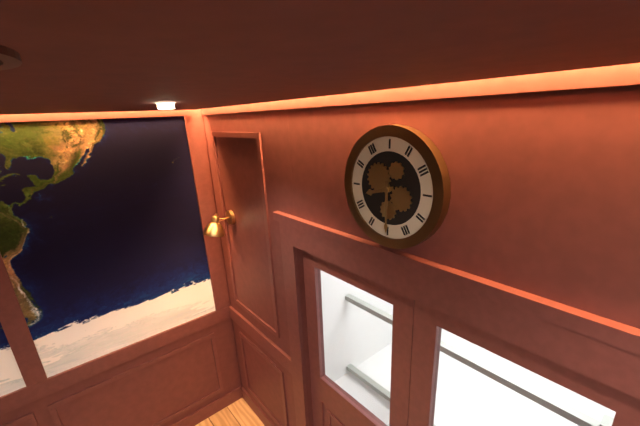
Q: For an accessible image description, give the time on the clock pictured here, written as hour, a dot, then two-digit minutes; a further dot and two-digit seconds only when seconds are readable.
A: 8.30
